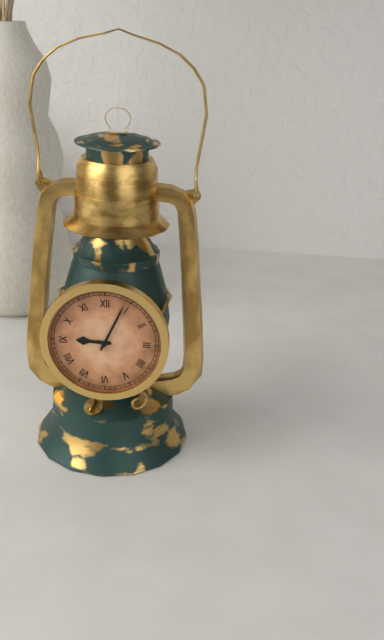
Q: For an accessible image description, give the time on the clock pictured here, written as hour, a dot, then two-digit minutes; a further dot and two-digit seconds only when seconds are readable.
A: 9.04
